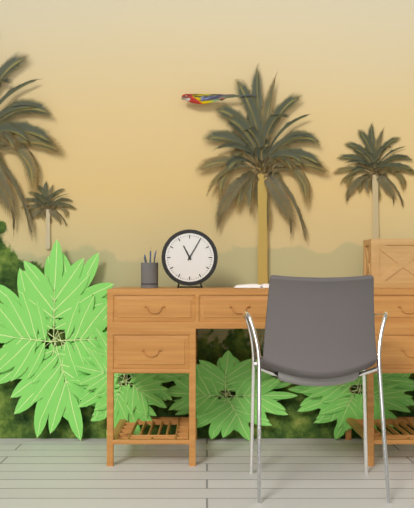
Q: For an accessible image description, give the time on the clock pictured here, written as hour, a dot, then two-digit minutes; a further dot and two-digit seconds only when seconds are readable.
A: 11.05
